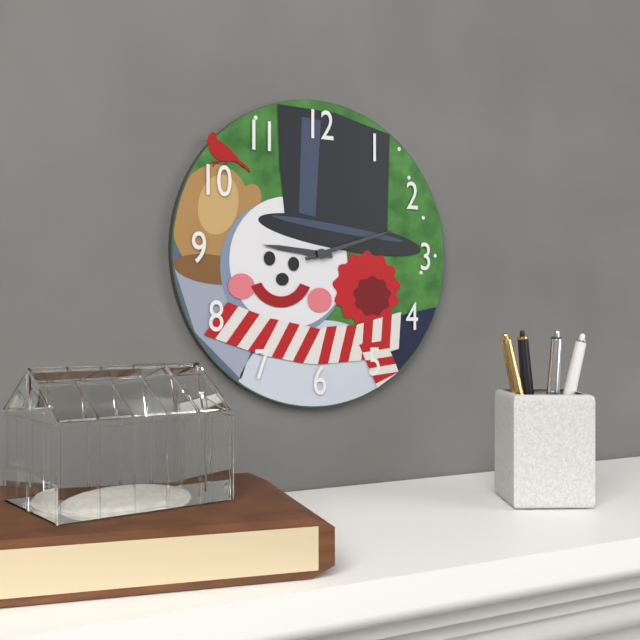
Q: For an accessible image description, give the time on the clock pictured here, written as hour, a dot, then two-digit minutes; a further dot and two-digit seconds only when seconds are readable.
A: 9.12
